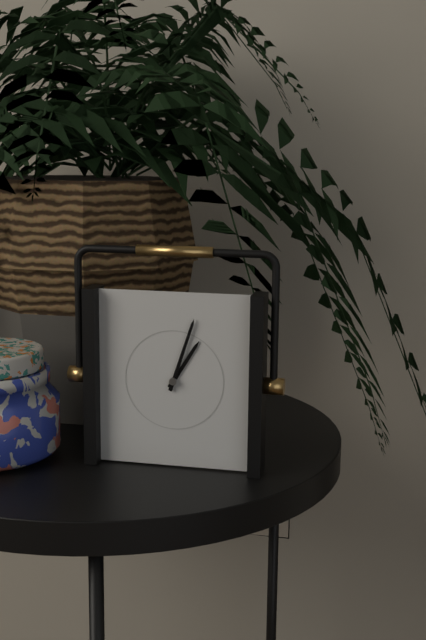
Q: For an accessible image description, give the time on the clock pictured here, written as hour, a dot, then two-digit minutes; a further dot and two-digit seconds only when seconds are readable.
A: 1.03
